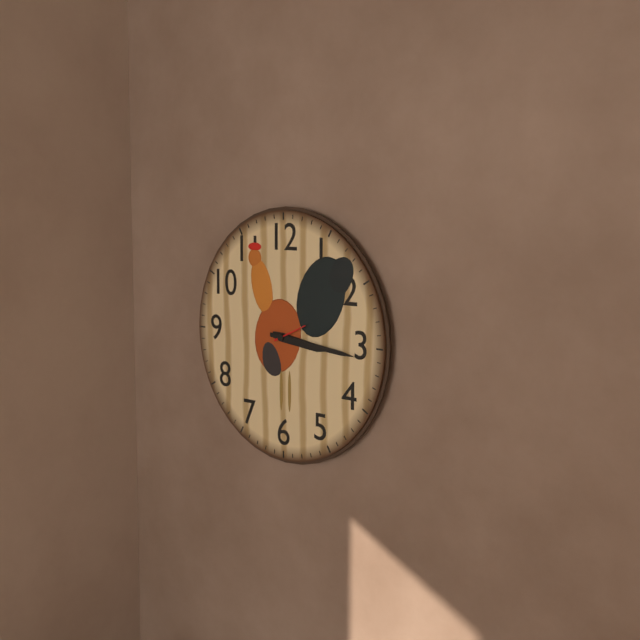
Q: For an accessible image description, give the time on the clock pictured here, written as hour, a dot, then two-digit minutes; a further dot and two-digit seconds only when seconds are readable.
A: 3.16
